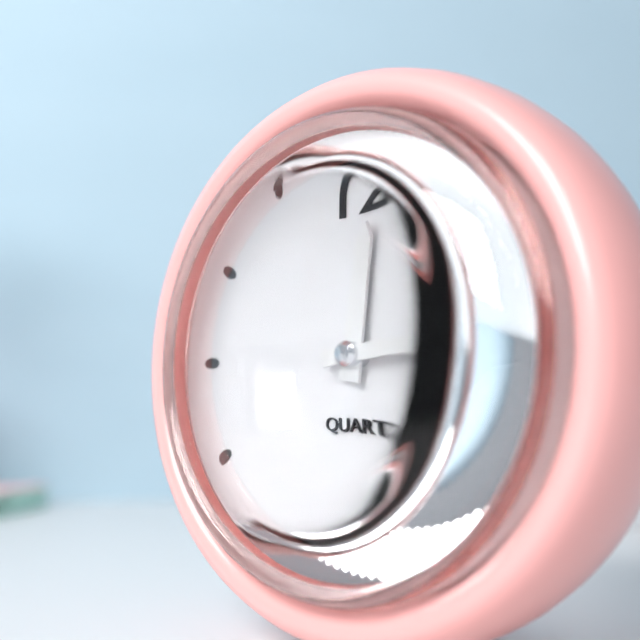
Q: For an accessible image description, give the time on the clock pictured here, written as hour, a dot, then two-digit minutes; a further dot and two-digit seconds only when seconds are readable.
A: 12.14
